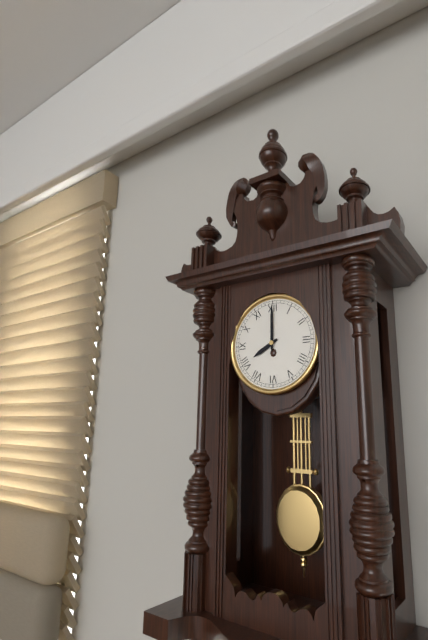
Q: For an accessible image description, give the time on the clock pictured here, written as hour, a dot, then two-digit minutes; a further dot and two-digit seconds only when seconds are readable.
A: 8.00
